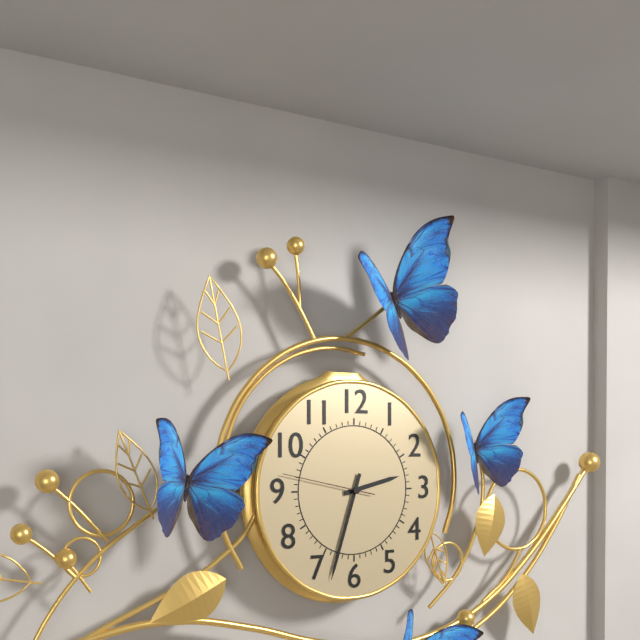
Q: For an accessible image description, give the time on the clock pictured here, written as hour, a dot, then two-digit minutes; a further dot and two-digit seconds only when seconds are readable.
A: 2.33.47
